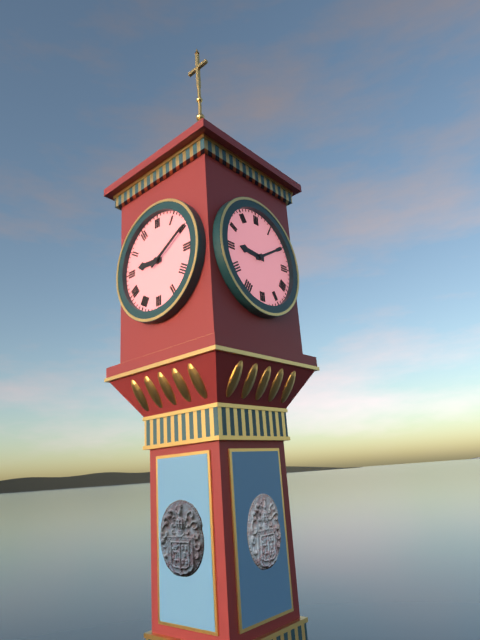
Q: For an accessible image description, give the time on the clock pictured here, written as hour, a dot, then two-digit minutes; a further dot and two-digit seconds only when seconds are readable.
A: 9.10
